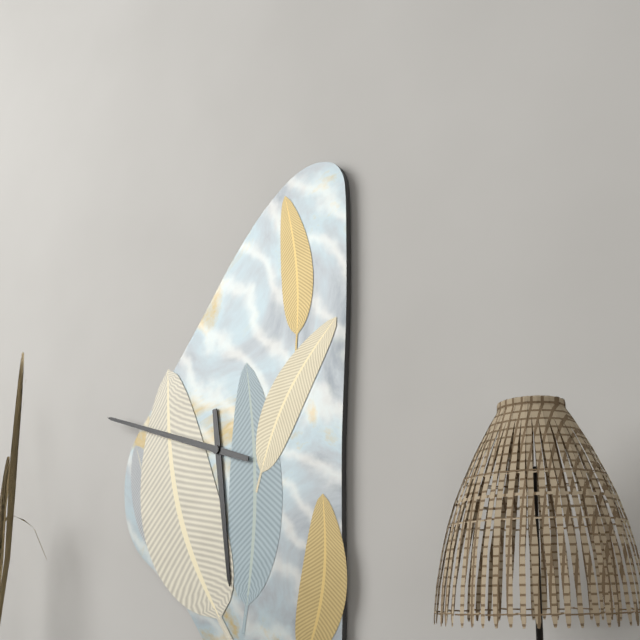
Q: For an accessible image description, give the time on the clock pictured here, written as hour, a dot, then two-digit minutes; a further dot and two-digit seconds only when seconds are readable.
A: 5.48
